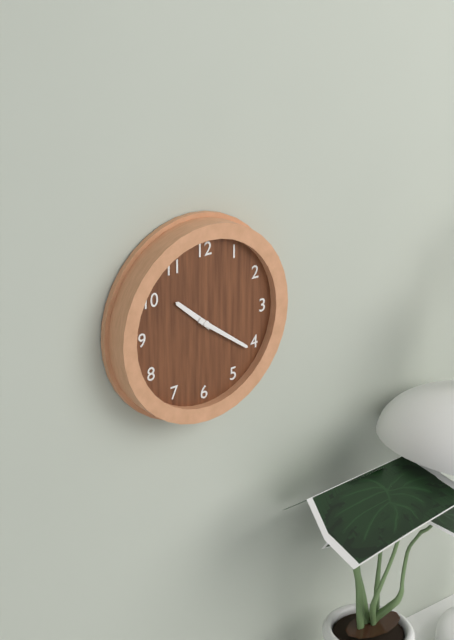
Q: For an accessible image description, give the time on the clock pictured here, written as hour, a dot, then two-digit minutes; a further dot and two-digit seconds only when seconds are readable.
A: 10.21
